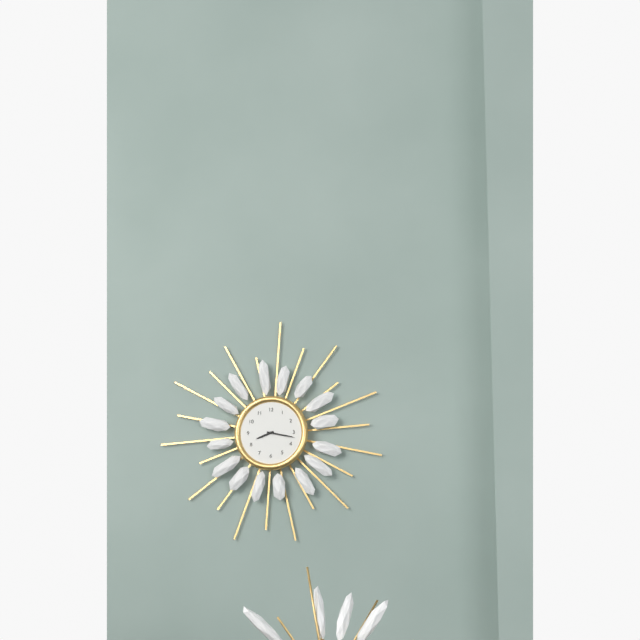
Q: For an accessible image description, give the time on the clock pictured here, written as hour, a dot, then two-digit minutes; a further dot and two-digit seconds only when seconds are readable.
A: 8.17
